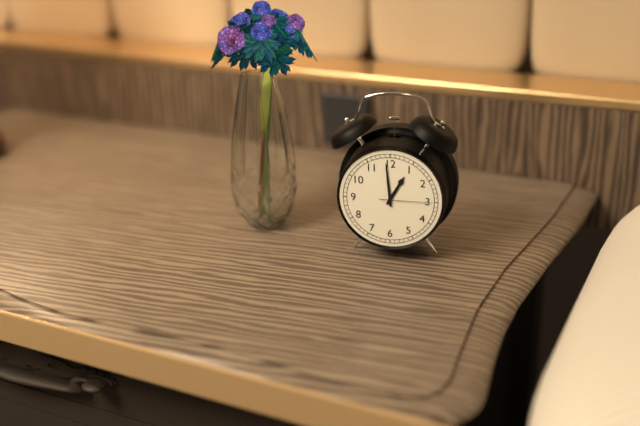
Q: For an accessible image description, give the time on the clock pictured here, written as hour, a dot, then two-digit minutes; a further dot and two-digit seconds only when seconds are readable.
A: 12.59.15
